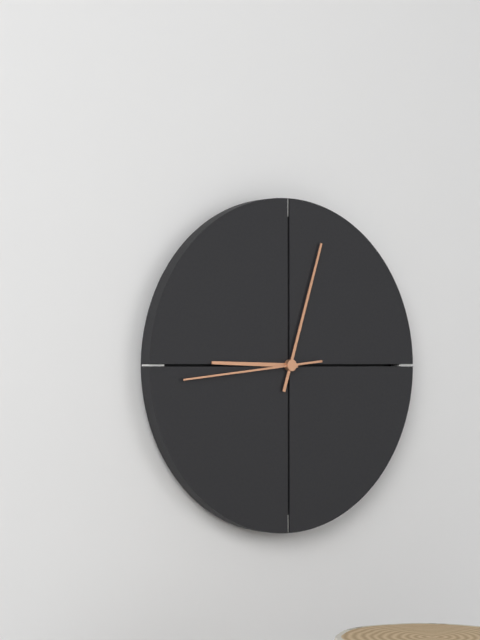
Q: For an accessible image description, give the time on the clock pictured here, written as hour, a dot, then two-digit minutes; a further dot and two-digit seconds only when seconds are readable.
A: 9.03.44
